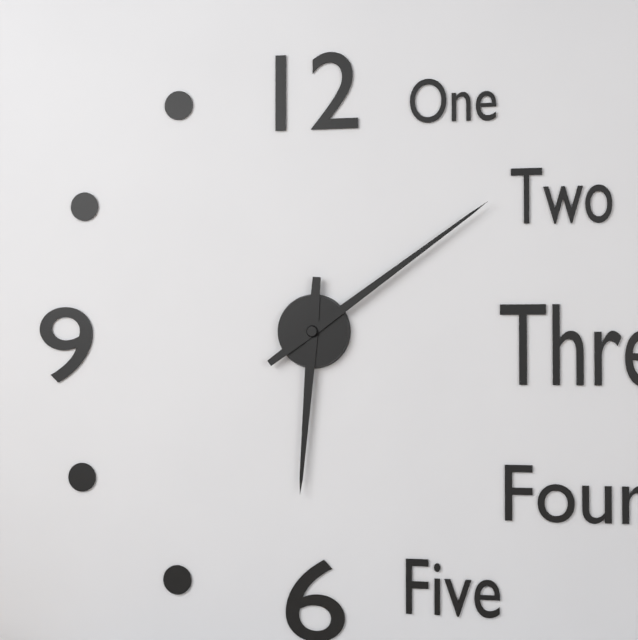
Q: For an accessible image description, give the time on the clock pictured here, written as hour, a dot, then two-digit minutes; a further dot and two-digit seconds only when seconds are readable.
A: 6.09
